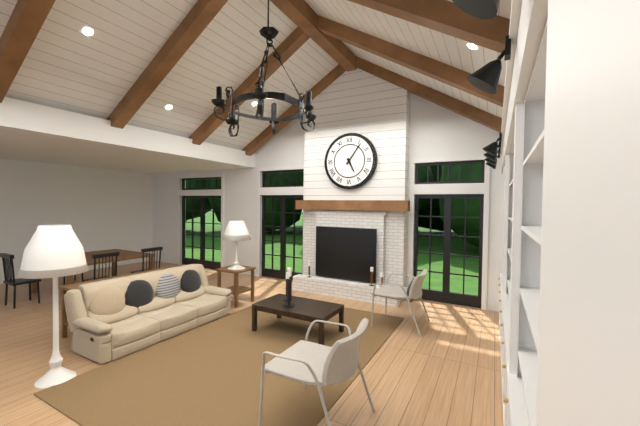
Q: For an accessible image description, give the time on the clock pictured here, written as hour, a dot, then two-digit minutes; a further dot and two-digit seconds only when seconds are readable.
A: 5.06
